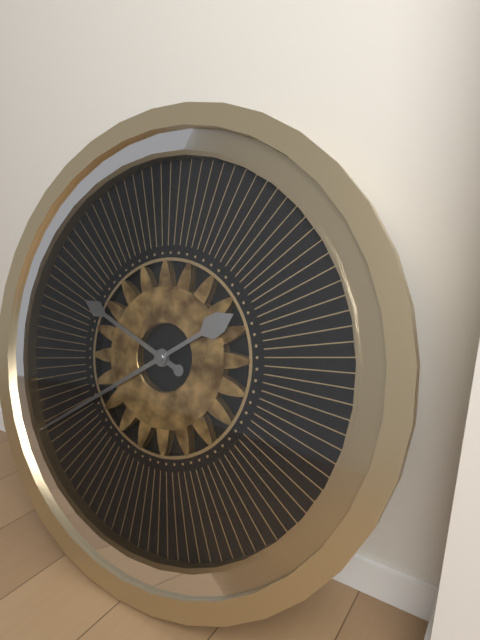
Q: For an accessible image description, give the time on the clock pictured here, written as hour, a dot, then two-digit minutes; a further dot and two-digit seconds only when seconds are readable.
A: 9.39
